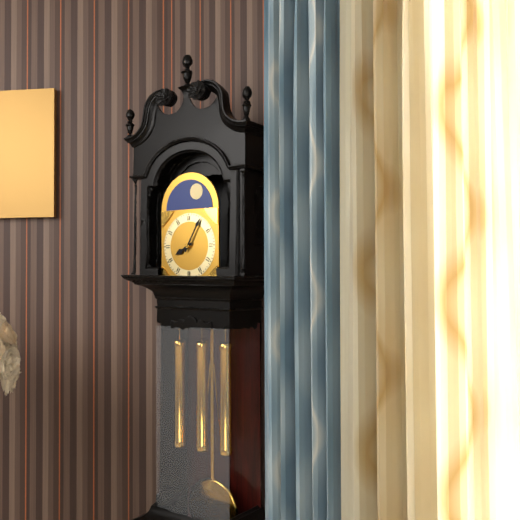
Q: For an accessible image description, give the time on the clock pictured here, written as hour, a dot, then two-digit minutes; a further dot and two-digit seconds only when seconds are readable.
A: 8.05
